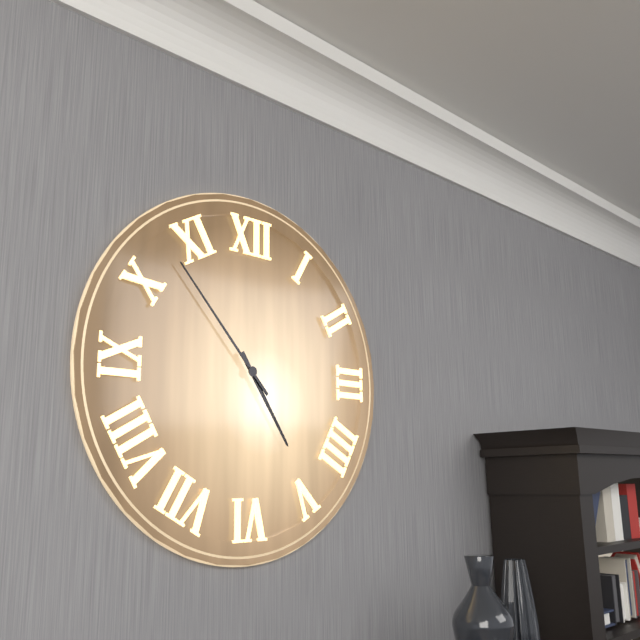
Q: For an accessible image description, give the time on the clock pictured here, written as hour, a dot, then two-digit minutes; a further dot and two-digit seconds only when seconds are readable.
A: 4.53
